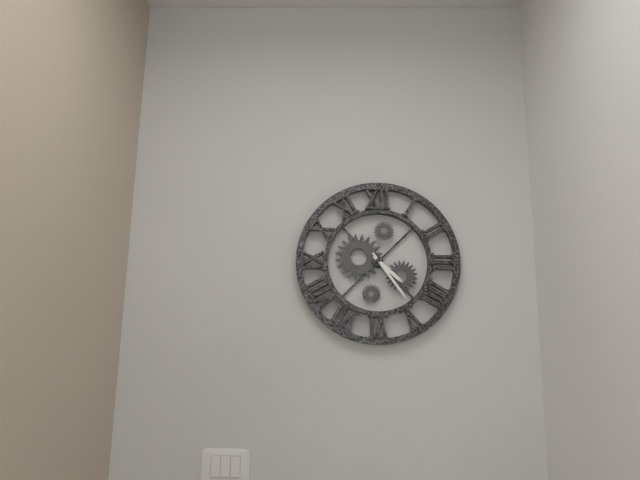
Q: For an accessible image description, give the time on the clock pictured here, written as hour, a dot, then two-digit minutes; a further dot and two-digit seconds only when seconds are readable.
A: 4.24
